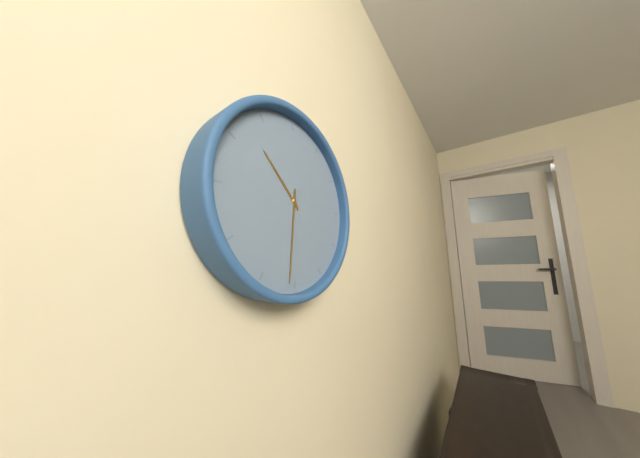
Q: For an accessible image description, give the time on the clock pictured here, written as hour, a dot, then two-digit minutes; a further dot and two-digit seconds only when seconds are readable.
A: 10.31
